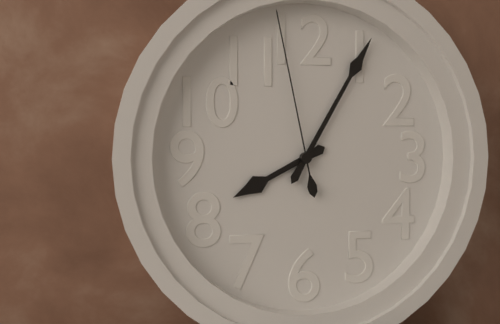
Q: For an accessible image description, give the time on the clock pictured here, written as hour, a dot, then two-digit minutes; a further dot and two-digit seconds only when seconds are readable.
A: 8.05.58
